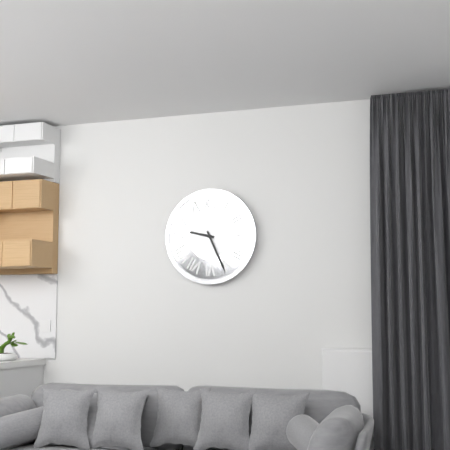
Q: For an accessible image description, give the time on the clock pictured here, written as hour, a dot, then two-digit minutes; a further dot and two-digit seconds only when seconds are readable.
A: 9.26
